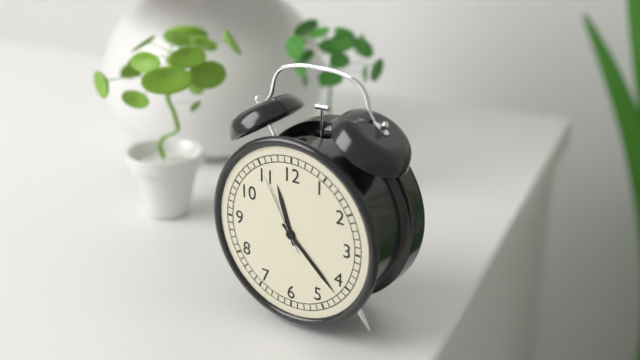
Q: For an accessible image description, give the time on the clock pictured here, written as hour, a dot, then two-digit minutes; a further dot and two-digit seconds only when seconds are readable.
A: 11.22.55
